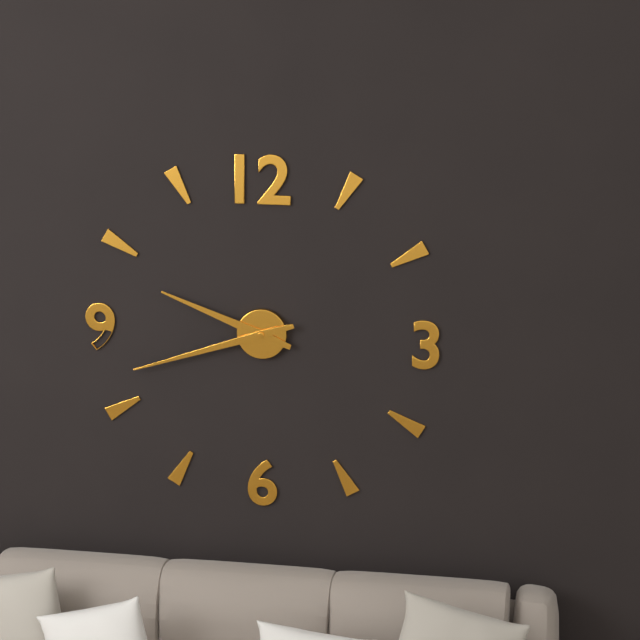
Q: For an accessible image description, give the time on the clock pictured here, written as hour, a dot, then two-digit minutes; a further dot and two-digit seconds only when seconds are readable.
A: 9.42
